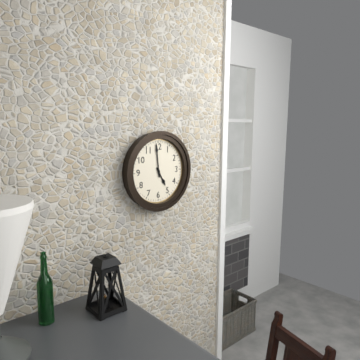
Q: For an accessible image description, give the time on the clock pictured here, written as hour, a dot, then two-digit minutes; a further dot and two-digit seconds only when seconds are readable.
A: 4.59
